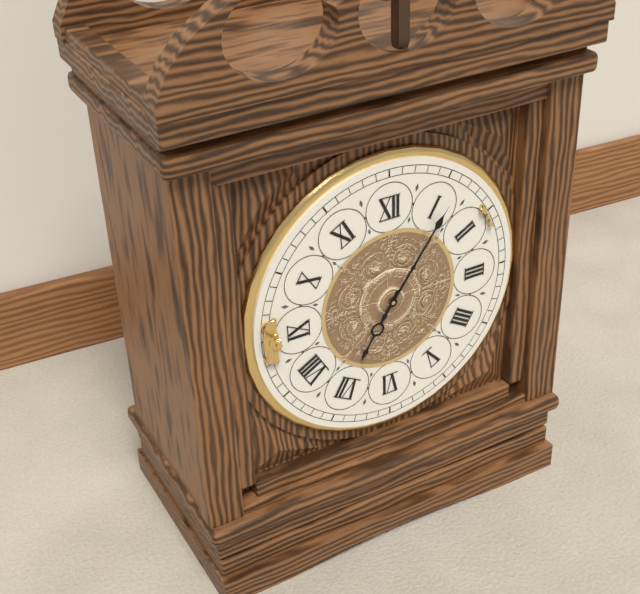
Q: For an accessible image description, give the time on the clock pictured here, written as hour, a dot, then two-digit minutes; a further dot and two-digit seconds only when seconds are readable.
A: 7.06
